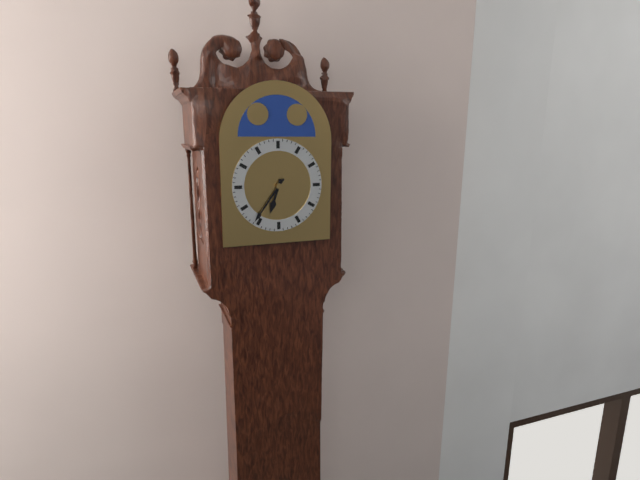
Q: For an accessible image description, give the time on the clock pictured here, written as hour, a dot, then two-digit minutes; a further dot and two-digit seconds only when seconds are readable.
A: 6.36
